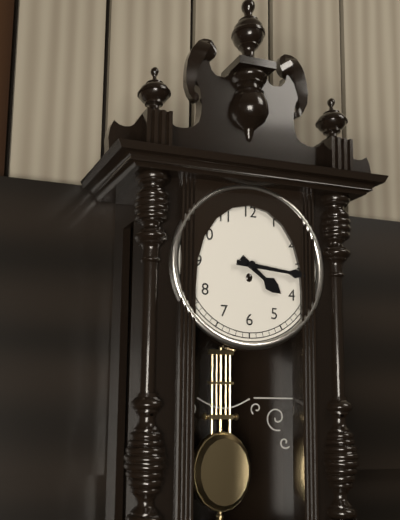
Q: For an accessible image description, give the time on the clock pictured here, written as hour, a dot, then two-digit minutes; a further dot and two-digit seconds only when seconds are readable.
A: 4.16
